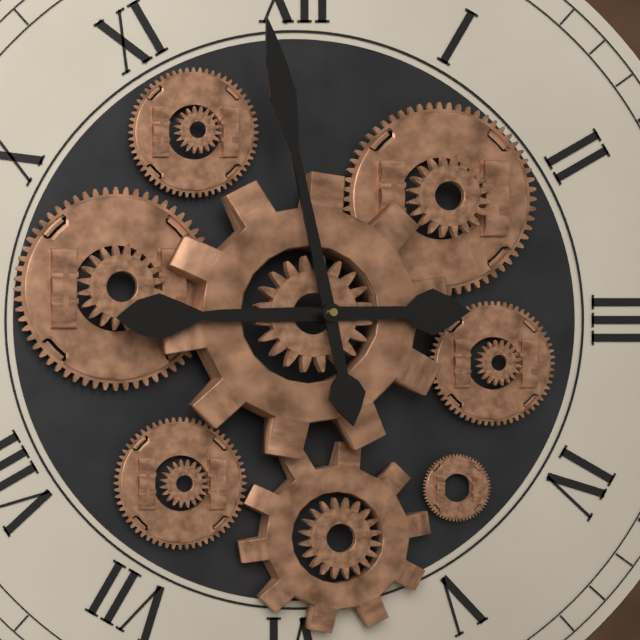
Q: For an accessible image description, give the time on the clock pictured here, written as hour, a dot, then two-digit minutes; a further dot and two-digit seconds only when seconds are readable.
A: 8.58
